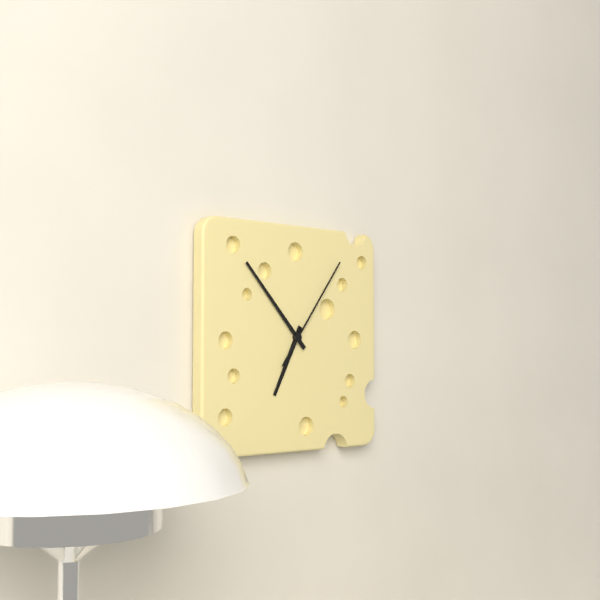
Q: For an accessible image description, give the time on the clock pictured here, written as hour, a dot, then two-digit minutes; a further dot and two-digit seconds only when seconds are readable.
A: 6.53.06
